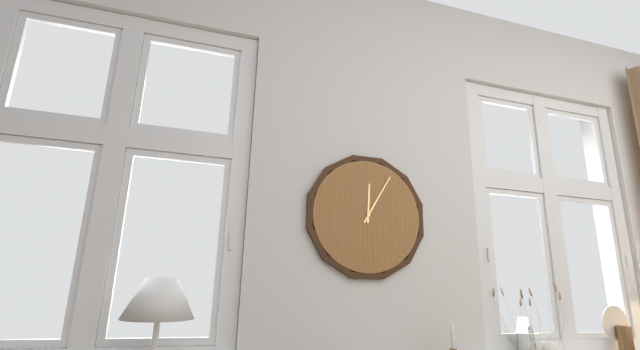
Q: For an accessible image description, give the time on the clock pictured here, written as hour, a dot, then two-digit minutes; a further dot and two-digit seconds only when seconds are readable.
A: 12.05
